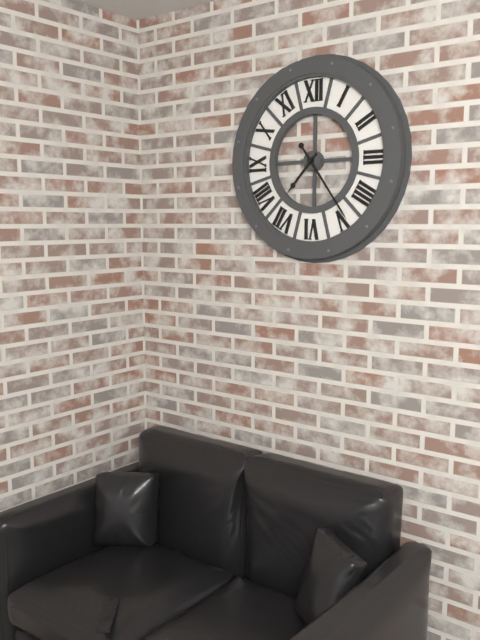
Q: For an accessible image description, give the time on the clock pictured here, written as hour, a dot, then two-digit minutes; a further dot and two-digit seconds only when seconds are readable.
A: 7.24
